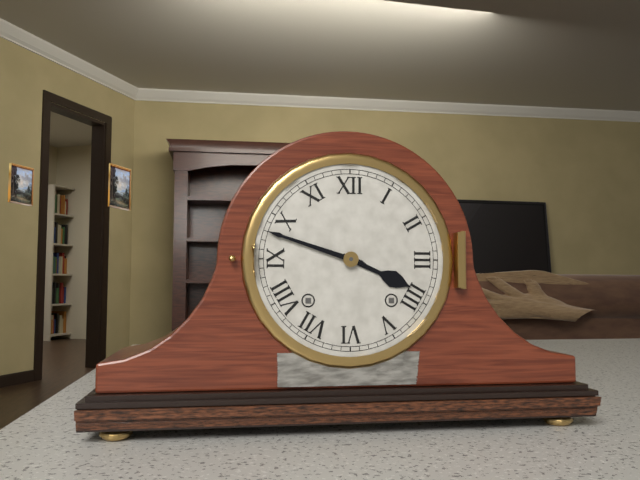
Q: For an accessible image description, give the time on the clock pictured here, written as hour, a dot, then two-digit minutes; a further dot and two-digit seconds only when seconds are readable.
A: 3.48
